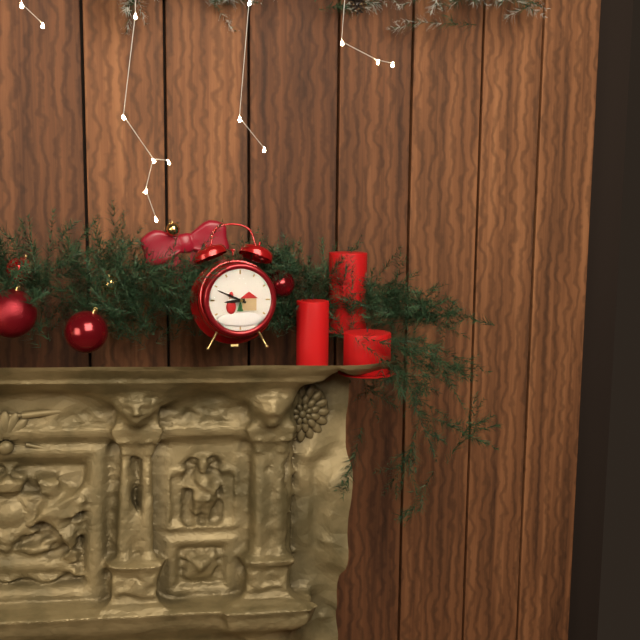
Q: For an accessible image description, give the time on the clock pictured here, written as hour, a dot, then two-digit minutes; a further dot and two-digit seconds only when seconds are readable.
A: 8.49
